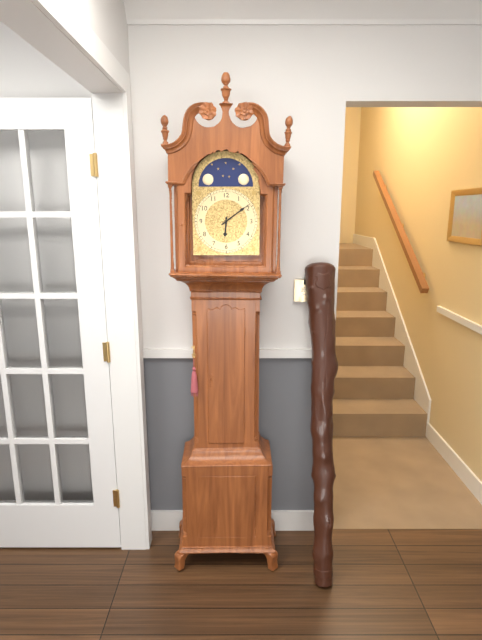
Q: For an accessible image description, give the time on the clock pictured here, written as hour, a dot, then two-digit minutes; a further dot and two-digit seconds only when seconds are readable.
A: 6.09
